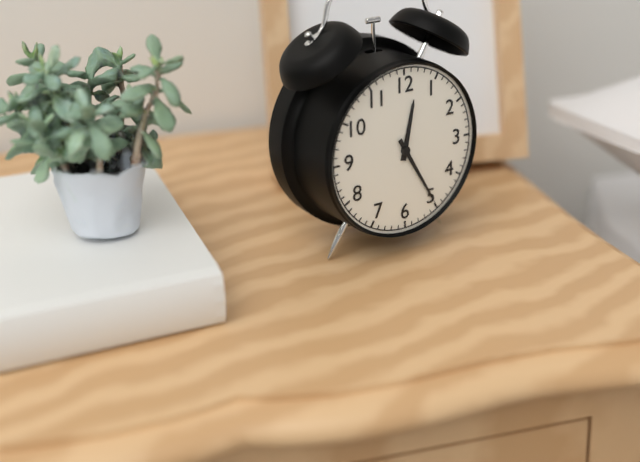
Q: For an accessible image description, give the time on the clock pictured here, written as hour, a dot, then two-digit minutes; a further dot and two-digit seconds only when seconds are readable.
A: 12.25
